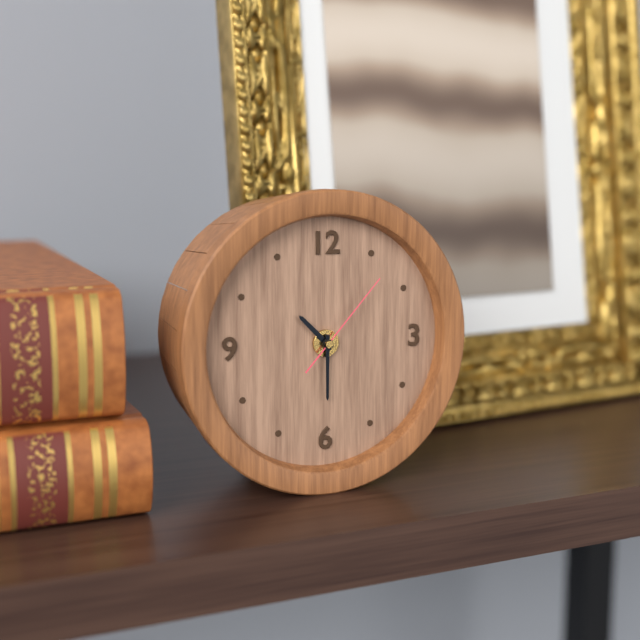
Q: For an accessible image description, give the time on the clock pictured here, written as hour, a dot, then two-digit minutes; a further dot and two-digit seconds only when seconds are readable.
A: 10.30.07
